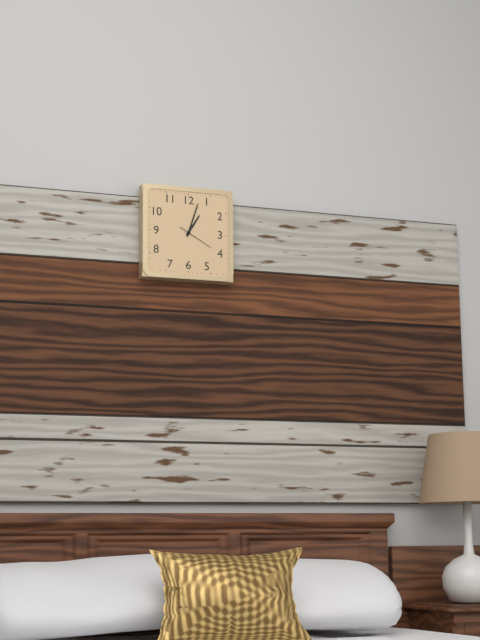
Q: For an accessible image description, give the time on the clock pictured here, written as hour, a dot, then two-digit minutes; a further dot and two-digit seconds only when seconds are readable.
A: 1.03
